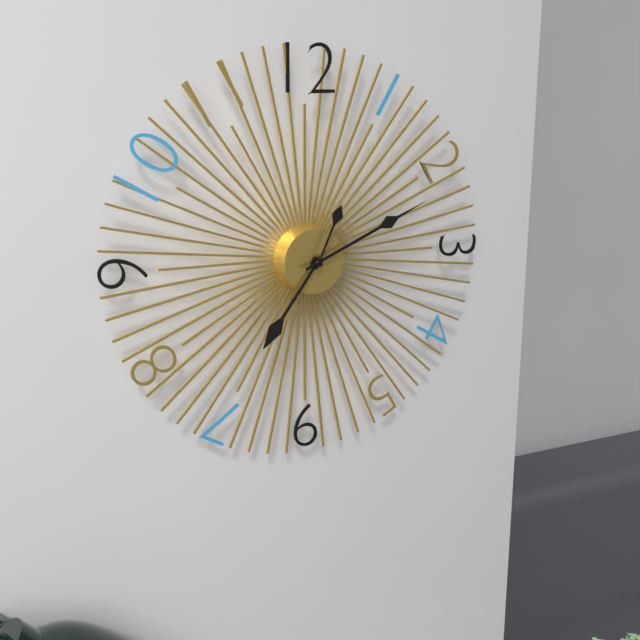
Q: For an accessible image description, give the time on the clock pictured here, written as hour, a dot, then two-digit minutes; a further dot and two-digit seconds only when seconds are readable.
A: 7.11.04
